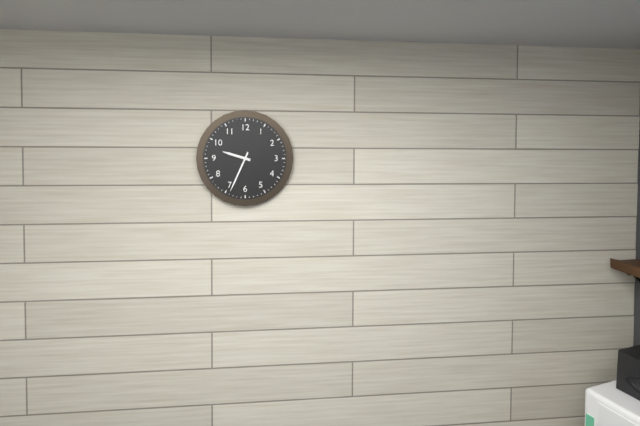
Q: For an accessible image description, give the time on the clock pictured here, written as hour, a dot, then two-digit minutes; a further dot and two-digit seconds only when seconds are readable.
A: 9.34
